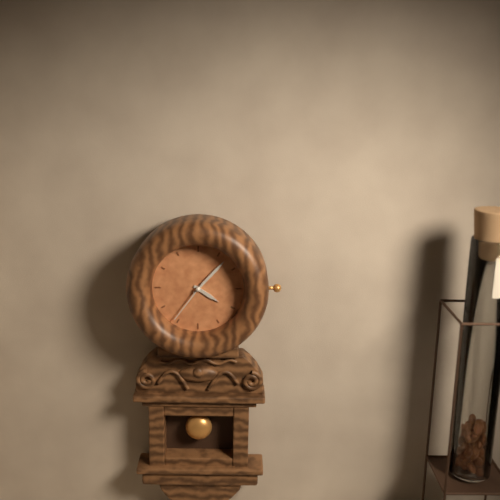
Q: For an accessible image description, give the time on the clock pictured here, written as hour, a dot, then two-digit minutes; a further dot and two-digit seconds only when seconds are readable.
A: 4.07.36
